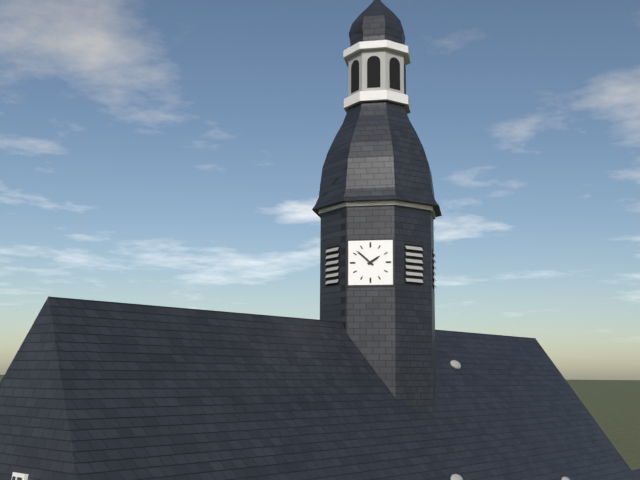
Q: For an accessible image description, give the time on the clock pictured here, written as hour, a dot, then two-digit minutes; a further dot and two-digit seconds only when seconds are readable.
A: 1.52
